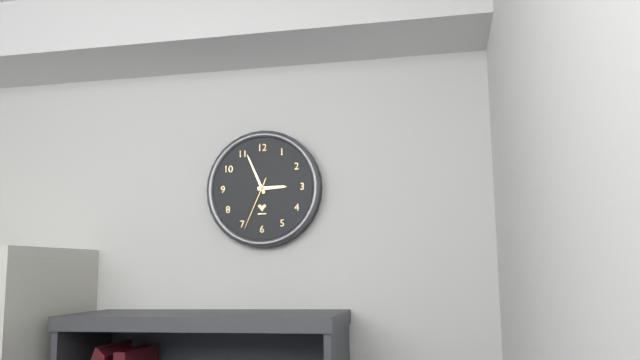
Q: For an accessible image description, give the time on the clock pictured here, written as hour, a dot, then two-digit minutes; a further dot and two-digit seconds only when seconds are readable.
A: 2.56.34
